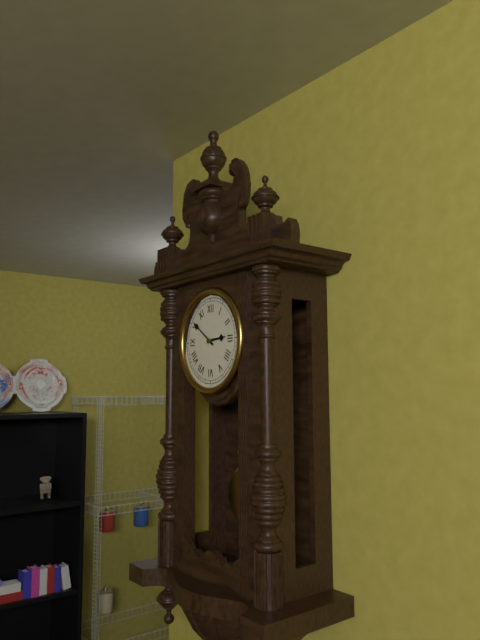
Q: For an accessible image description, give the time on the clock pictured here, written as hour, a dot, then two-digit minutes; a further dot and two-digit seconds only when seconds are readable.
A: 2.51
